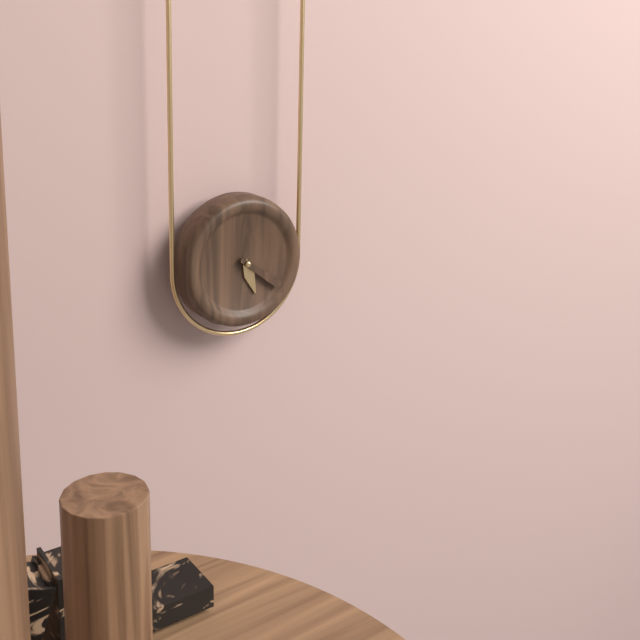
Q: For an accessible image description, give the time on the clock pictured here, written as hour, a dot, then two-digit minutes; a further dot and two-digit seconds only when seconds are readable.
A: 5.21
